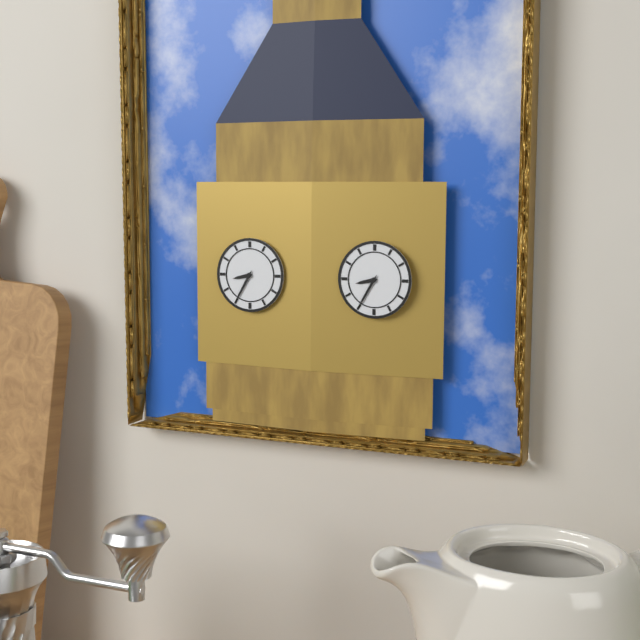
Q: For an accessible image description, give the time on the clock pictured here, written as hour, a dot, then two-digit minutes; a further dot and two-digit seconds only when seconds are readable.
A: 8.35
